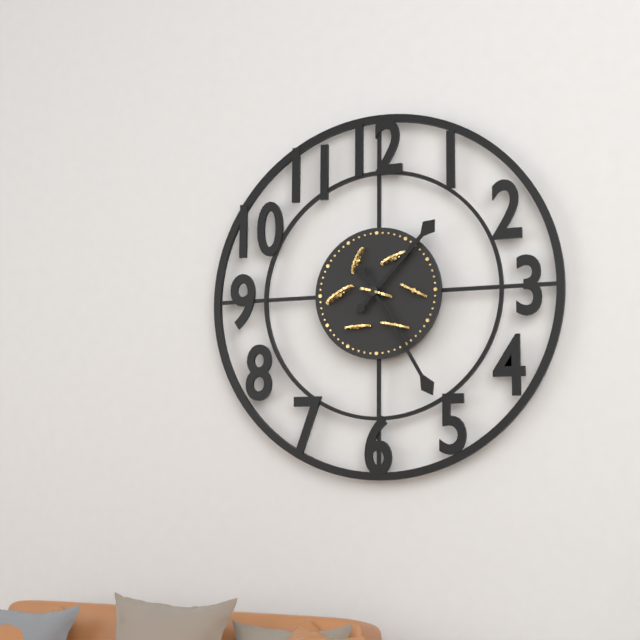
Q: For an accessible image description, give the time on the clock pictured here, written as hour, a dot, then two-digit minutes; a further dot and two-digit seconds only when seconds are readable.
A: 1.25
